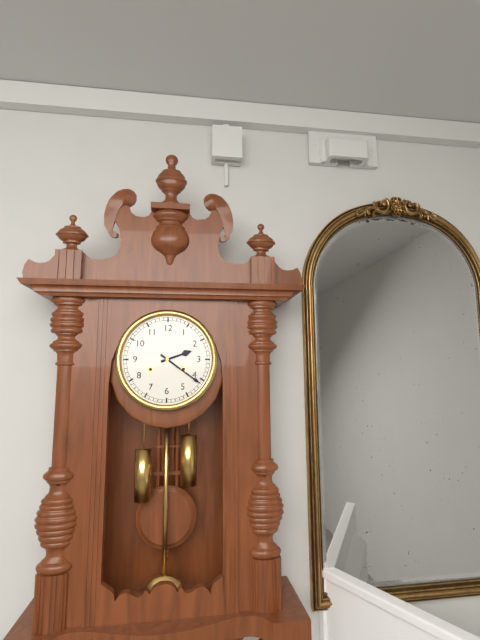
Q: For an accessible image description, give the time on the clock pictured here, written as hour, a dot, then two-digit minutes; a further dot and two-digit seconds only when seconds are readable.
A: 2.21
